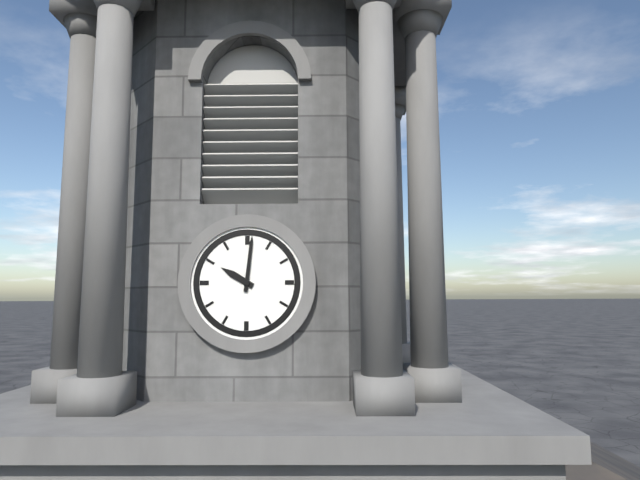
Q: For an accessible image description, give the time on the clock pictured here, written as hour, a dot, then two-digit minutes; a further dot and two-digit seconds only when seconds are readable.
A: 10.01
